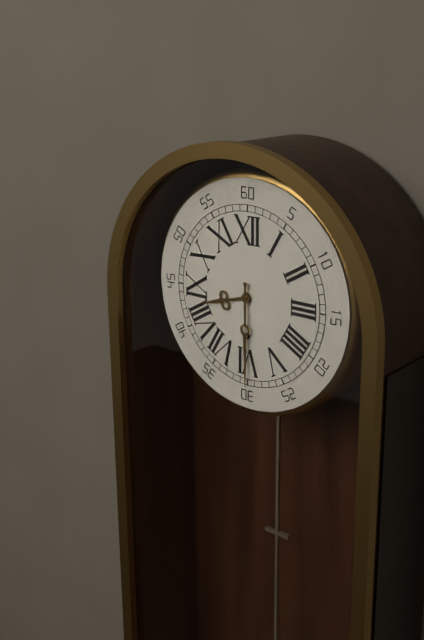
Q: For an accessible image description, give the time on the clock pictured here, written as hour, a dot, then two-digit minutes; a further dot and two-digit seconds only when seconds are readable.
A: 8.30
